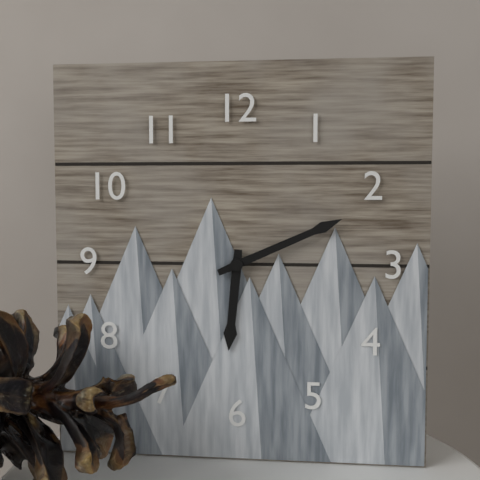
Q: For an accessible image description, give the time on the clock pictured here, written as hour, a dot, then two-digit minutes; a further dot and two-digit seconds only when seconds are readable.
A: 6.11
